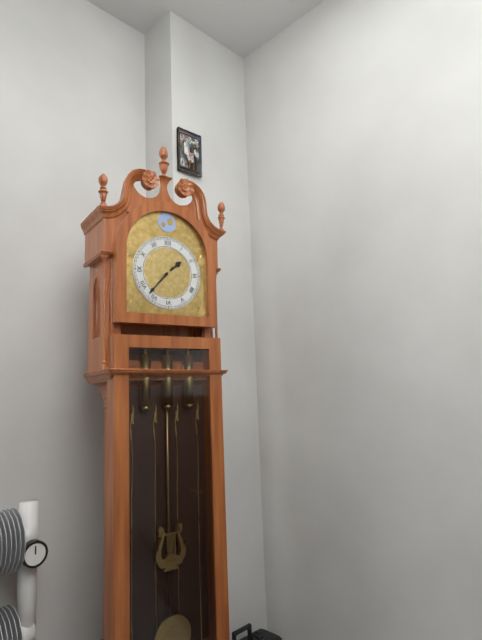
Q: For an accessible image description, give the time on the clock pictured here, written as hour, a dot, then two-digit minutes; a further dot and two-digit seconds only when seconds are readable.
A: 1.37
